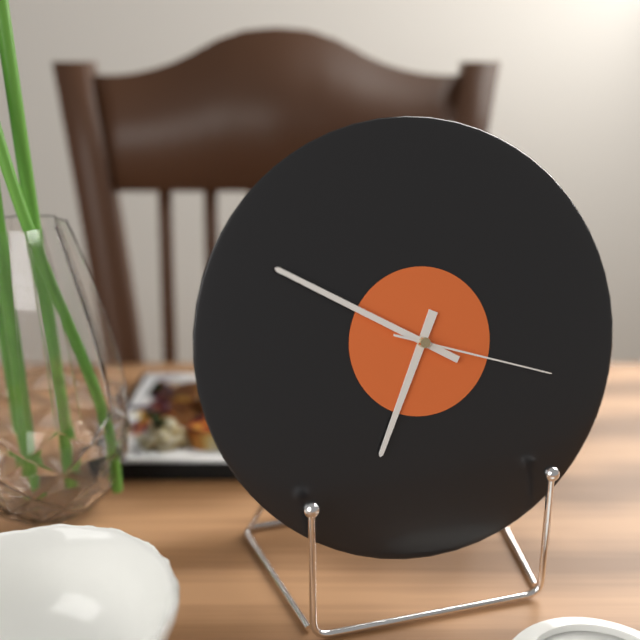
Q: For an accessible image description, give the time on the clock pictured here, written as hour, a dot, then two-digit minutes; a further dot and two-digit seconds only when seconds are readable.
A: 6.50.18
